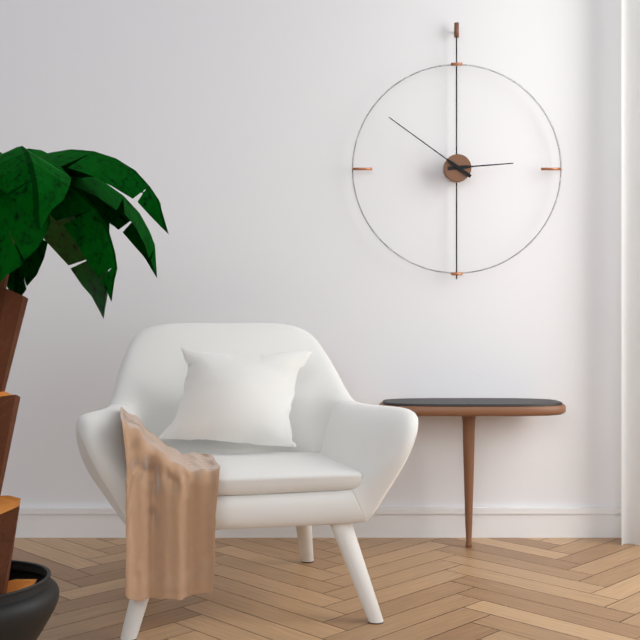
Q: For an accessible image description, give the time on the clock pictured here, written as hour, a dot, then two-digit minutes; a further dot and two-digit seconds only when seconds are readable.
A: 2.51
